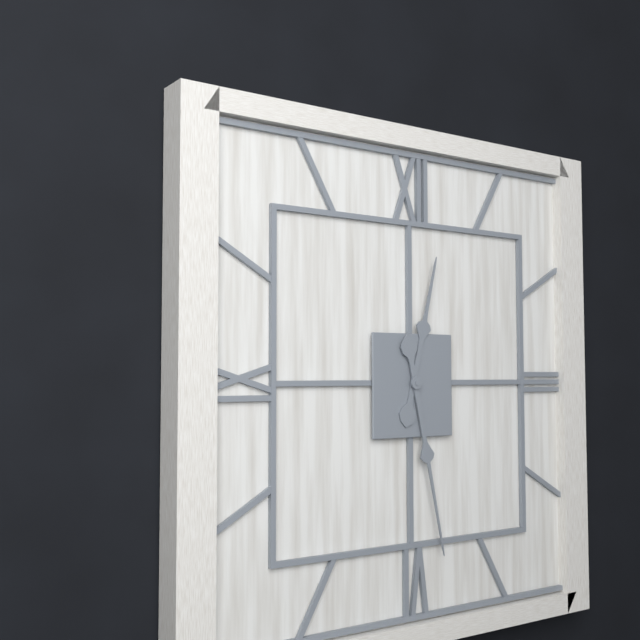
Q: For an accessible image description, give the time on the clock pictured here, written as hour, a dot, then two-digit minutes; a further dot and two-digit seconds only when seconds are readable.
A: 12.28
